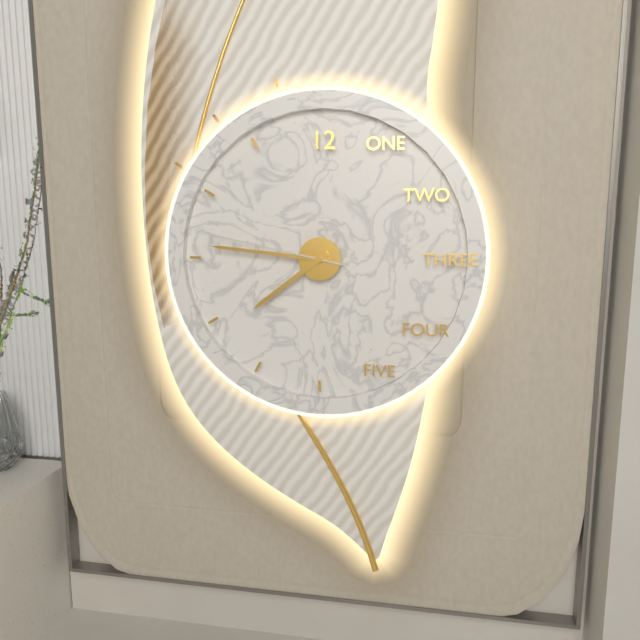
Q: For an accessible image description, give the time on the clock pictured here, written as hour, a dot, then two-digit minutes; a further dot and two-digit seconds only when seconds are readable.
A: 7.46.47
